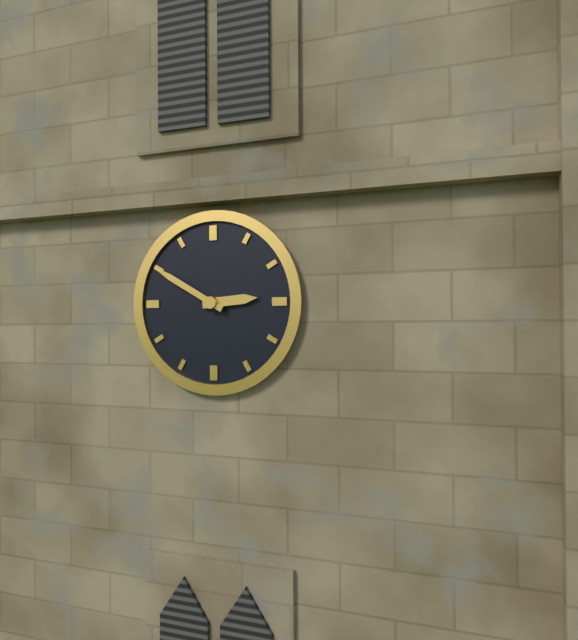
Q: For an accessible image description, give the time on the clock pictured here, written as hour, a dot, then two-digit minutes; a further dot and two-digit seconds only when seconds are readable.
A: 2.50
